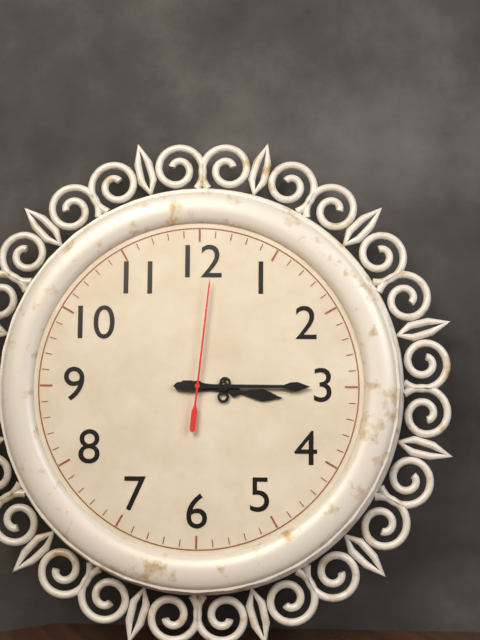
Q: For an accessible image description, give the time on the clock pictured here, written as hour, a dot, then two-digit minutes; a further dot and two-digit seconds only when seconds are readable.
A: 3.15.01
